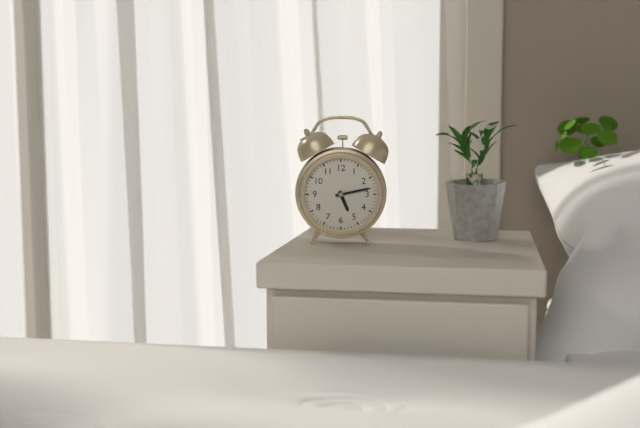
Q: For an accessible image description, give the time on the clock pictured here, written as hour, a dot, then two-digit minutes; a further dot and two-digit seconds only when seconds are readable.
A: 5.13
